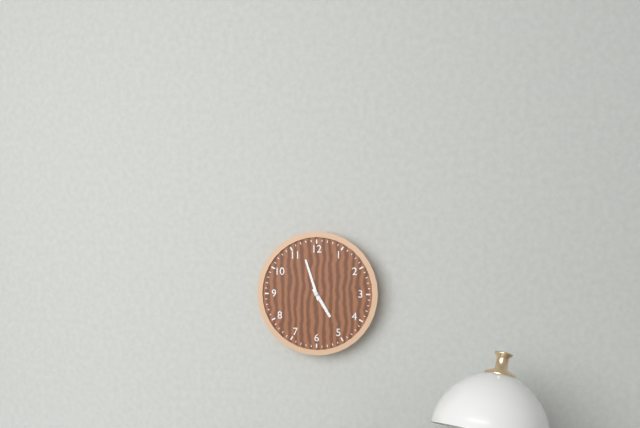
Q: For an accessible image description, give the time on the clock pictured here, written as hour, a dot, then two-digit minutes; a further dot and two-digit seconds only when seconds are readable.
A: 4.57
